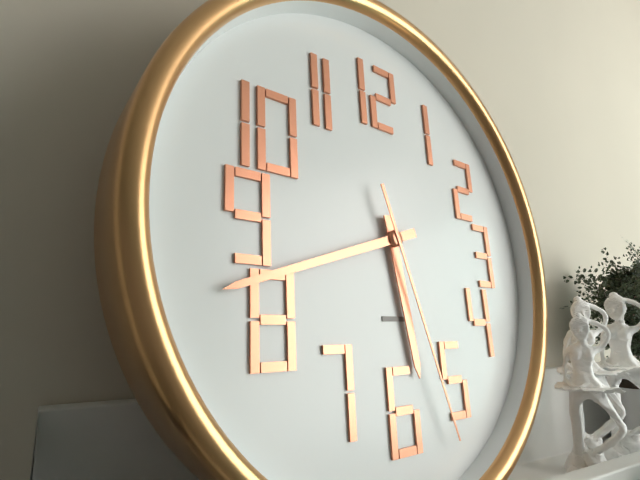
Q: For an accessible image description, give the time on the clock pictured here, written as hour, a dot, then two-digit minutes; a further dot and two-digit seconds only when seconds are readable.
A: 5.42.27
